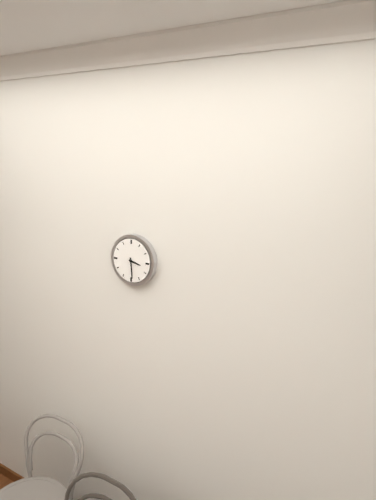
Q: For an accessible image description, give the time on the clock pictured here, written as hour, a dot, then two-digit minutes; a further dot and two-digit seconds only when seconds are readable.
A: 3.29
